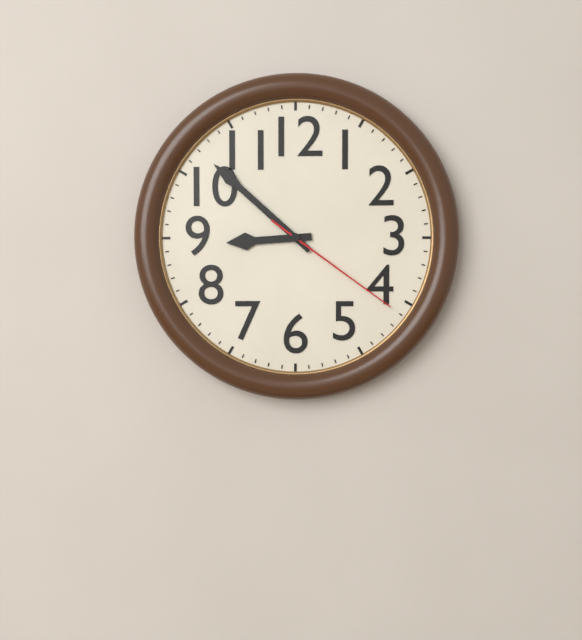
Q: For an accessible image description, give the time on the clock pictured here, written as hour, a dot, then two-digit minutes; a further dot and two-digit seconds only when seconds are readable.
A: 8.52.21
